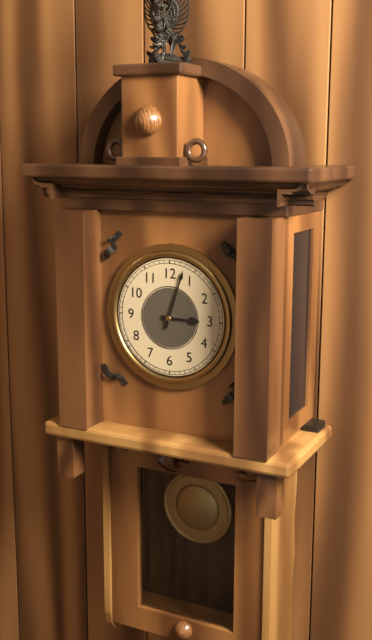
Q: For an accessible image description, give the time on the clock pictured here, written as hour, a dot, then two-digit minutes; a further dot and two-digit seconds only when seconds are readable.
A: 3.03
